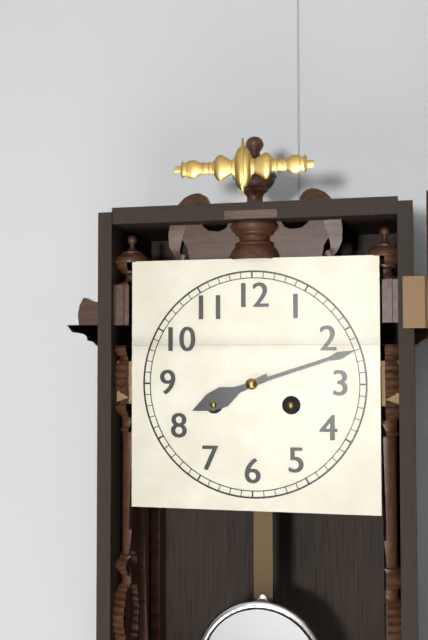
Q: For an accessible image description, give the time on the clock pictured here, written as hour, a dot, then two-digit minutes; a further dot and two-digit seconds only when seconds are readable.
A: 8.12
